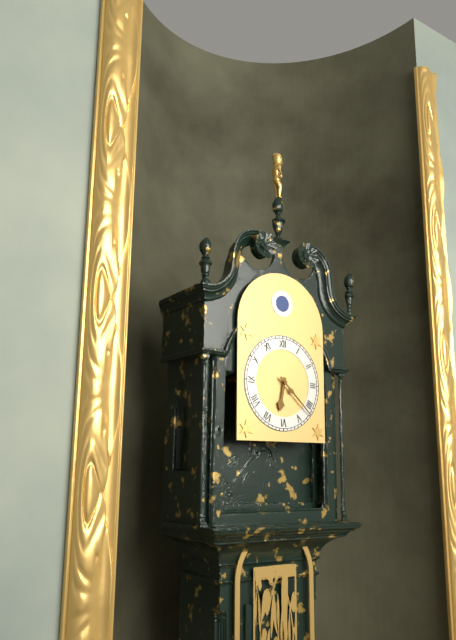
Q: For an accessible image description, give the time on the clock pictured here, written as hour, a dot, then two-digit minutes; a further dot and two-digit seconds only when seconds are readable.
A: 6.22
